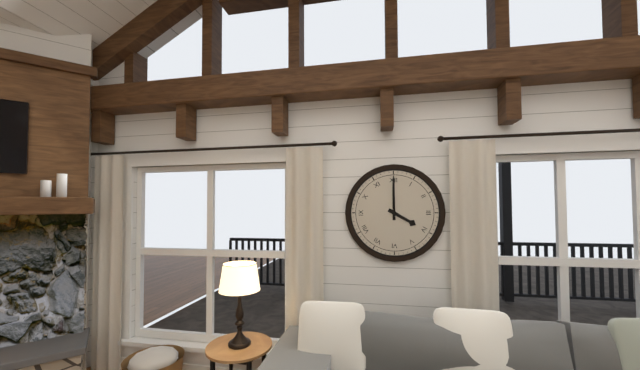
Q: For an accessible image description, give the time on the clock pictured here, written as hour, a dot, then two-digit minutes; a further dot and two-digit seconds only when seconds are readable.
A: 4.00
